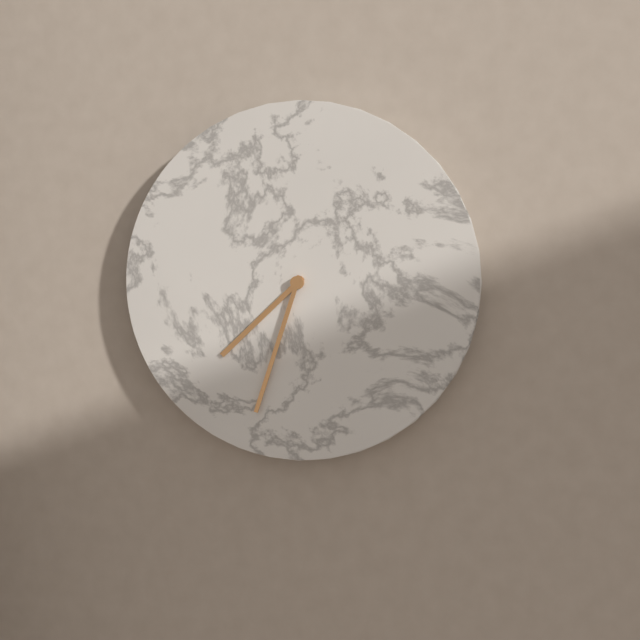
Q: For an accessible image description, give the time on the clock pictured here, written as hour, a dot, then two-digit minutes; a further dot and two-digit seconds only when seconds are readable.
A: 7.33
